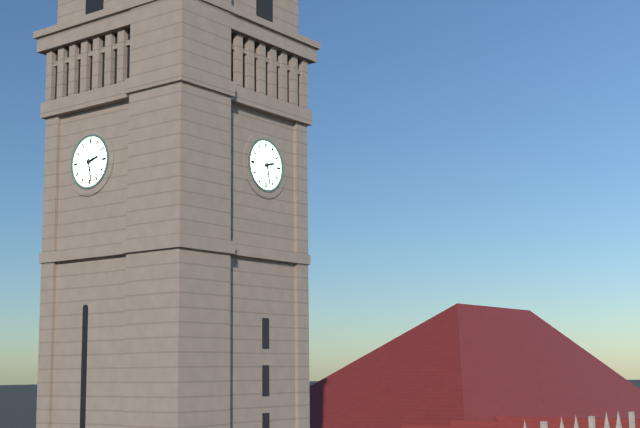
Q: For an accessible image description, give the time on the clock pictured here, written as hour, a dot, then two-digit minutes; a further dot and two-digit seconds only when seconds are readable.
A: 2.28
